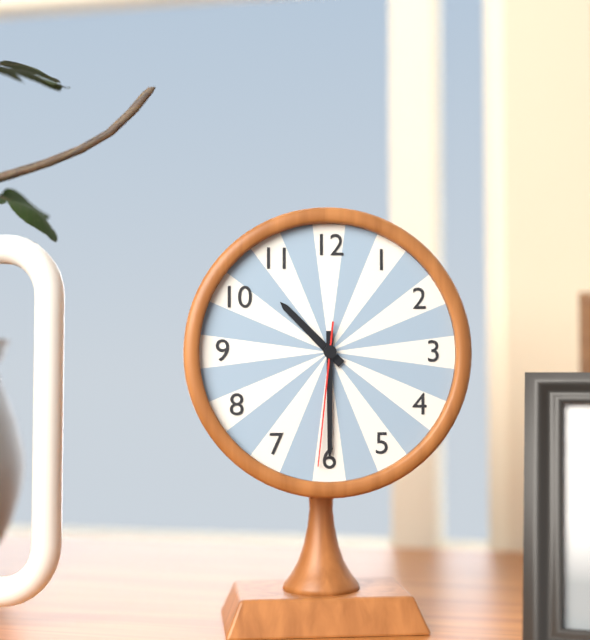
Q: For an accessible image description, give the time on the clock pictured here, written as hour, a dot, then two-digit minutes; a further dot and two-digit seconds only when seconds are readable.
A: 10.30.31
